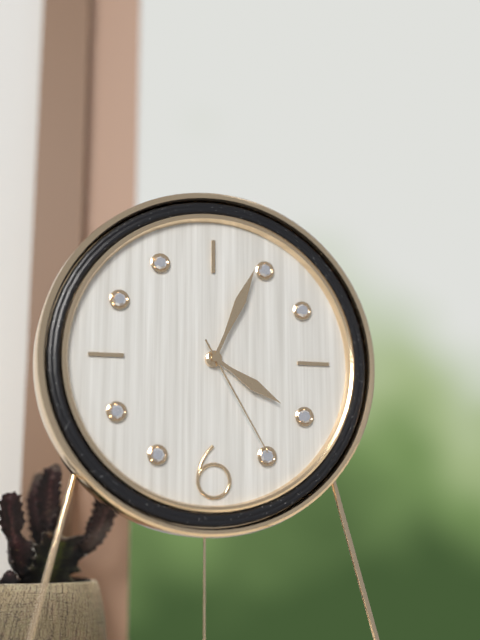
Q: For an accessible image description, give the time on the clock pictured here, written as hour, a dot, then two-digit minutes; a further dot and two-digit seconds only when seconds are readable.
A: 4.04.25
